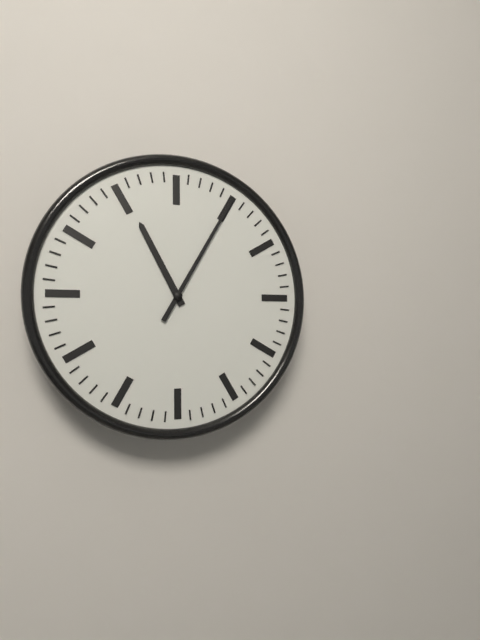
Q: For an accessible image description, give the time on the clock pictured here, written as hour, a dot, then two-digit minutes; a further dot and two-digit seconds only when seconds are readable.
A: 11.05
